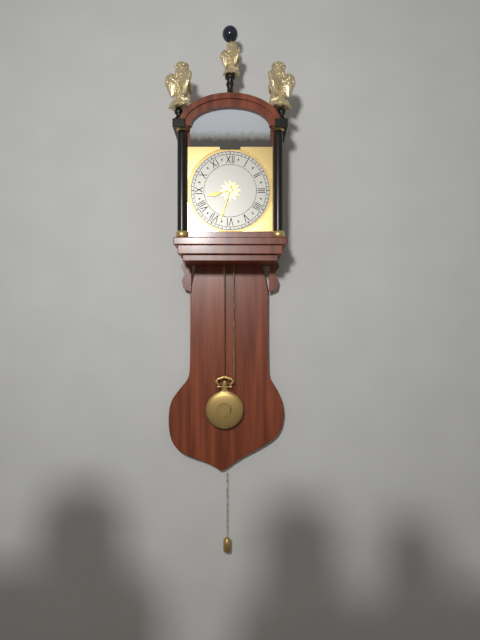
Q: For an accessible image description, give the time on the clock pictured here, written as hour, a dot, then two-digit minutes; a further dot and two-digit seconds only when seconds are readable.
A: 8.33
